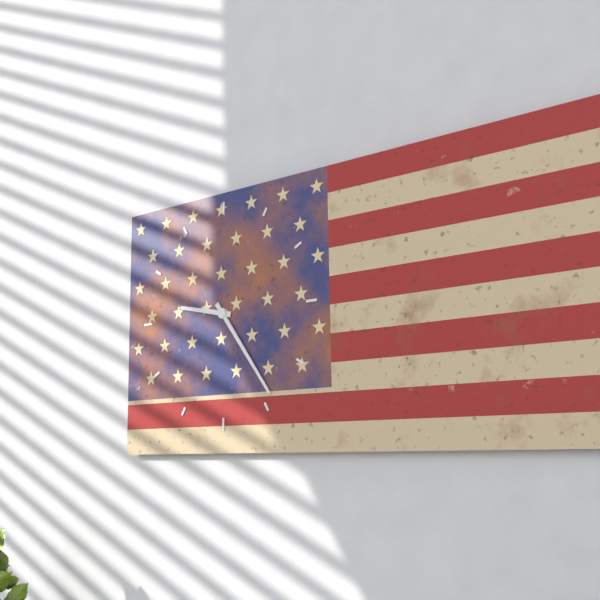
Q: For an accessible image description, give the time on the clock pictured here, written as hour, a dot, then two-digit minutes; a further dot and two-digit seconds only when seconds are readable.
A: 9.24
